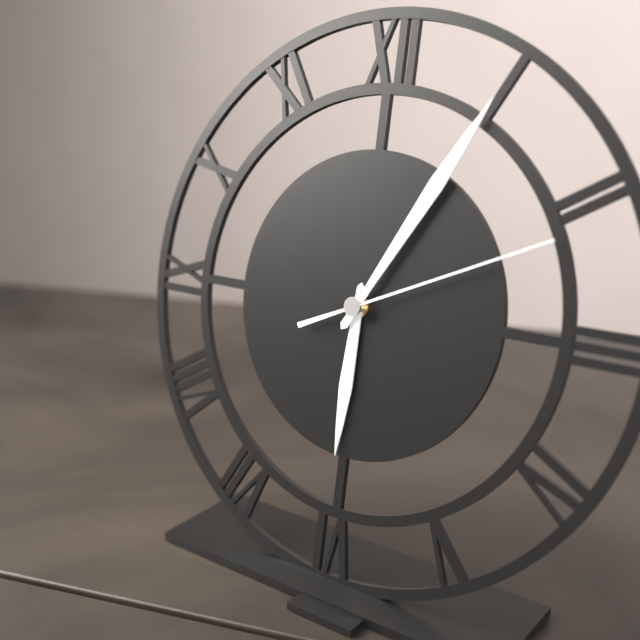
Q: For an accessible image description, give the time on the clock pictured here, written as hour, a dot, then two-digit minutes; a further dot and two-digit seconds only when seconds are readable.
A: 6.05.11
